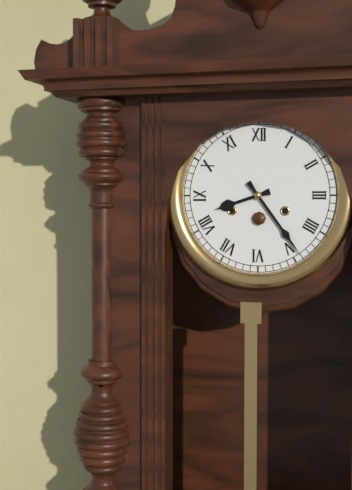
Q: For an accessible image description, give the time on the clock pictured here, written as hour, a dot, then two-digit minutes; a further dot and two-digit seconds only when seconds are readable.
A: 8.24
